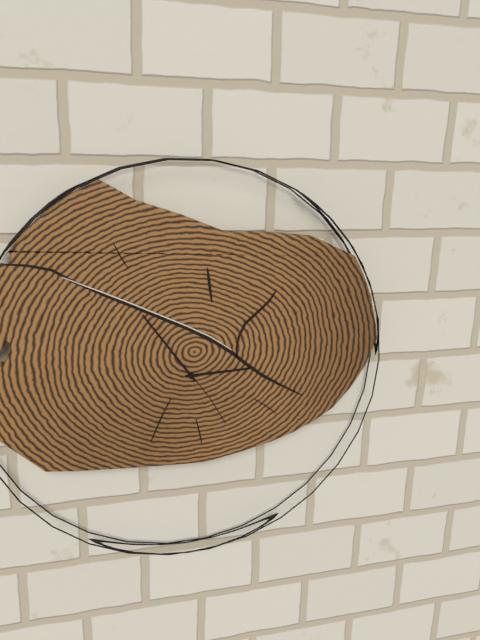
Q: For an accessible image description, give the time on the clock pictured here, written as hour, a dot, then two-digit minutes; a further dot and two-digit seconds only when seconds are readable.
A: 2.54
